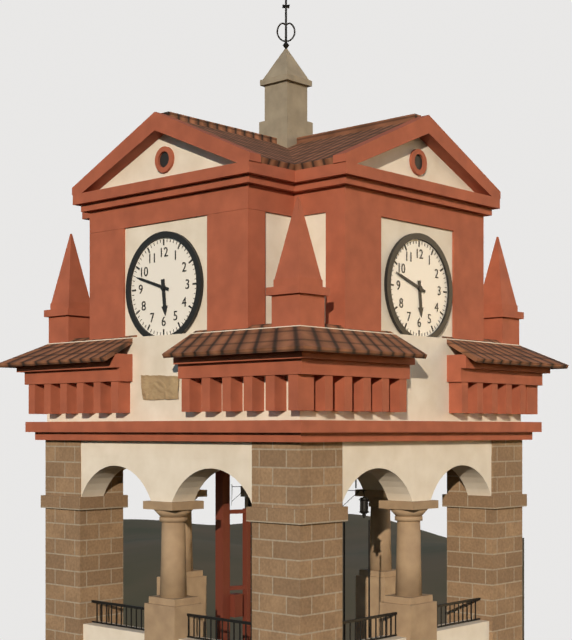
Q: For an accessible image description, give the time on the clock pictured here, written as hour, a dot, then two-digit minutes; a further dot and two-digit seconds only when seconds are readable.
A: 5.48
